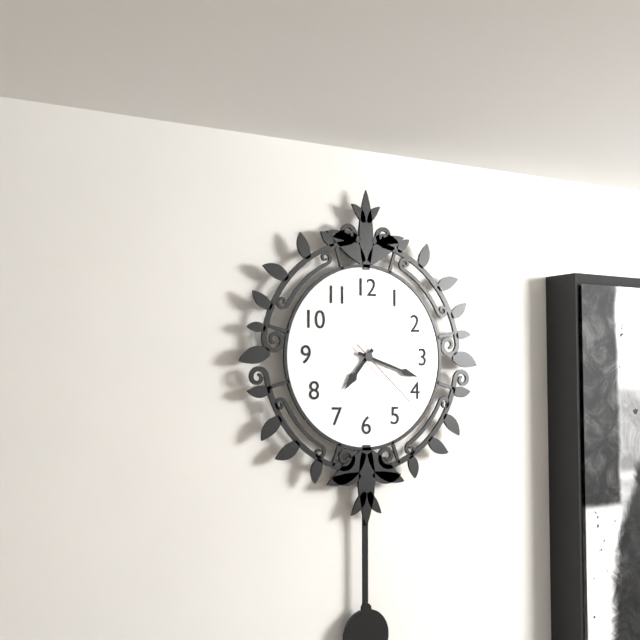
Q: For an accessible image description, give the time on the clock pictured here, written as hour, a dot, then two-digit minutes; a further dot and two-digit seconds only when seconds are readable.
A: 7.18.22
